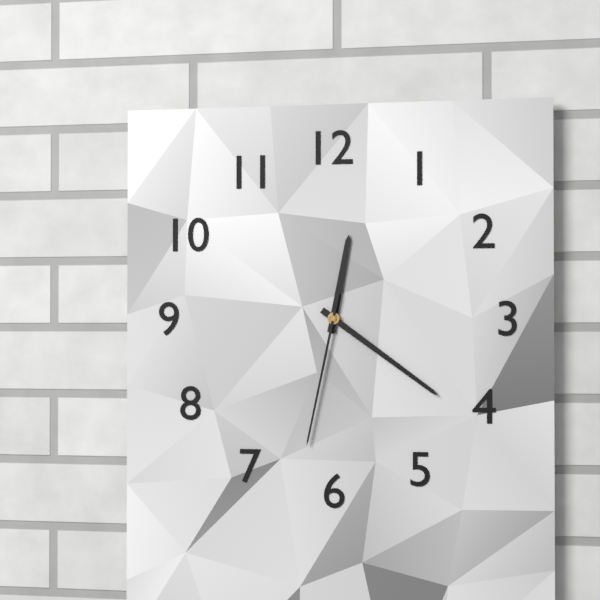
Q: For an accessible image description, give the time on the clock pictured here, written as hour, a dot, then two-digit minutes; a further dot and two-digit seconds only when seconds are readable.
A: 12.21.32
